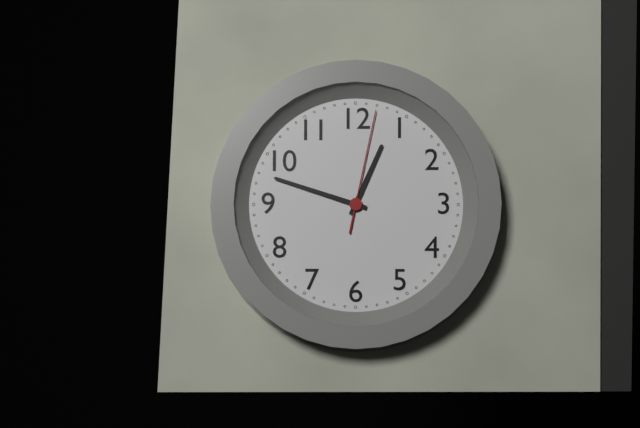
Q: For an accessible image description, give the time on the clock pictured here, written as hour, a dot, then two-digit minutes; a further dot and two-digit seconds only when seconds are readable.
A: 12.48.02
